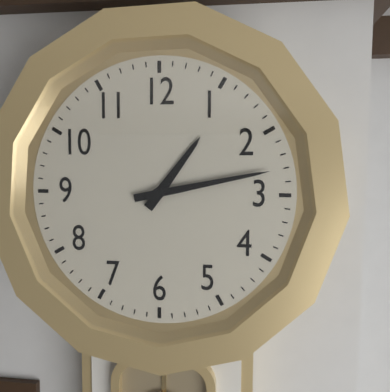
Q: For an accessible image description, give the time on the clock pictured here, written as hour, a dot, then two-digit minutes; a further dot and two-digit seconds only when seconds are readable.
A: 1.13
